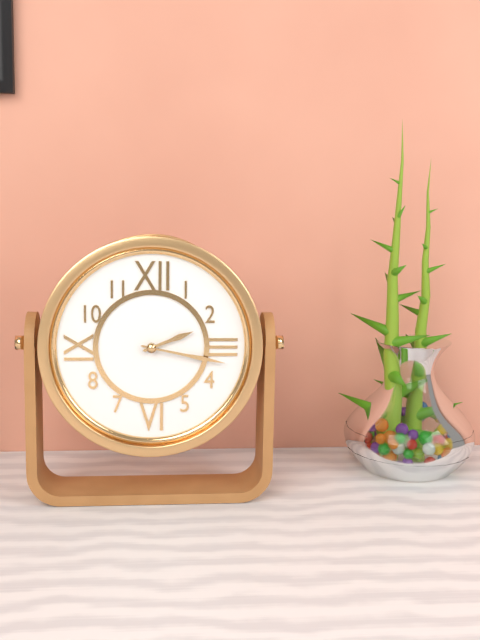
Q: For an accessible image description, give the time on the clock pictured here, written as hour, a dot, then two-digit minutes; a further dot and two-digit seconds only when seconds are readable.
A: 2.17
